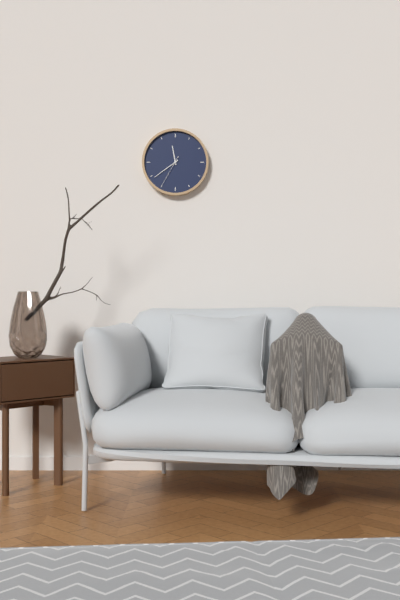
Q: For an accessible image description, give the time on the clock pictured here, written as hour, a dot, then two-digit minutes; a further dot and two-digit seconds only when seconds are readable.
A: 11.39
